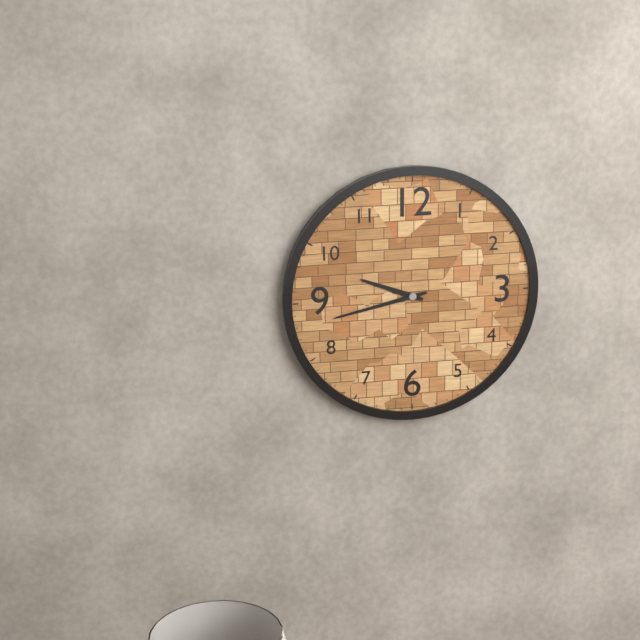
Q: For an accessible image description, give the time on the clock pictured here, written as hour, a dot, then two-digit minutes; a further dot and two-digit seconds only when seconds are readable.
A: 9.43
